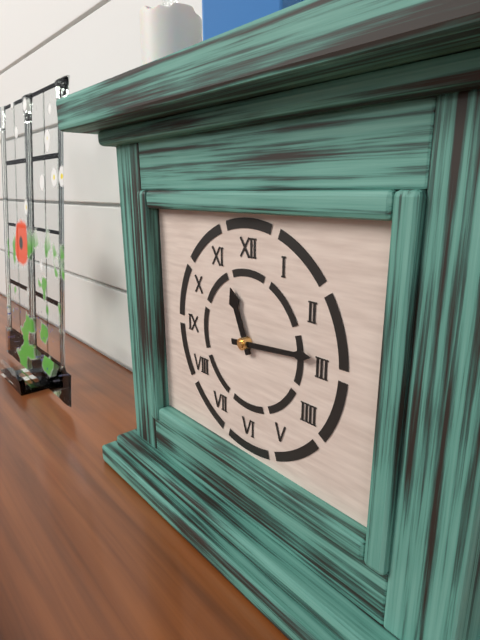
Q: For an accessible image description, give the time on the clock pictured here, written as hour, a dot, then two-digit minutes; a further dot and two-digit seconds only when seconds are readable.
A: 11.14
